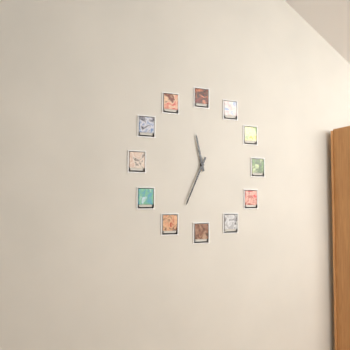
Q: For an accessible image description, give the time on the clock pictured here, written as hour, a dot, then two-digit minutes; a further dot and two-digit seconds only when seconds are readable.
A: 11.34
